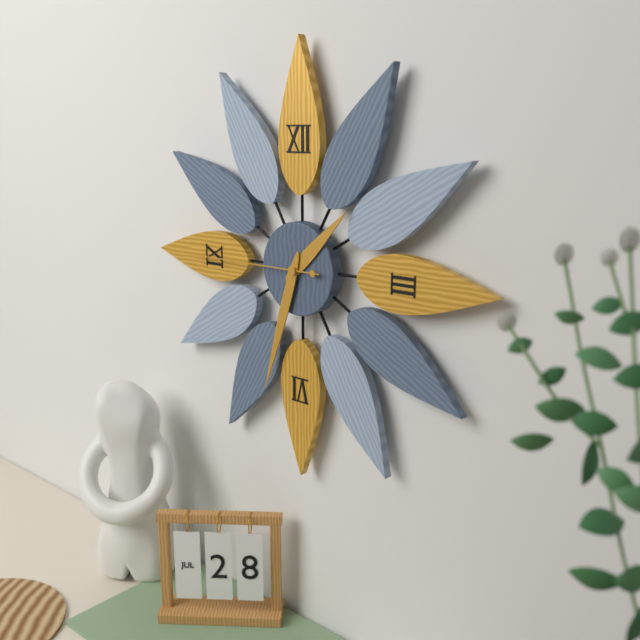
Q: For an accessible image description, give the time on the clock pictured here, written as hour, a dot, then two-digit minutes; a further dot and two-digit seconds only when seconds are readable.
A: 1.33.45
